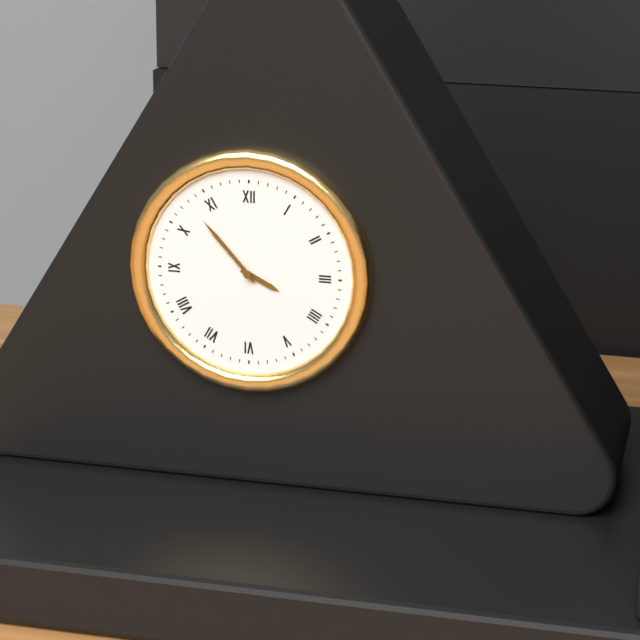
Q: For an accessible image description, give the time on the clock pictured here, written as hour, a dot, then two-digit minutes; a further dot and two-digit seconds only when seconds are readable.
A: 3.53
